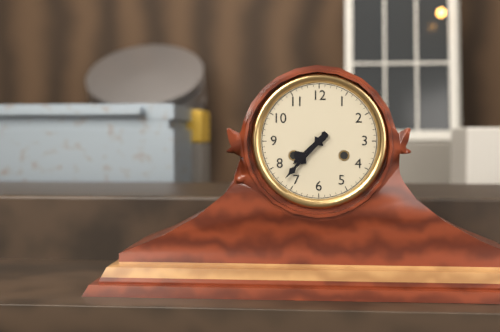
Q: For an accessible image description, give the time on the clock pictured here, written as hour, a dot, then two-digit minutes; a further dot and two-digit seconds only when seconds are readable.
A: 7.37
